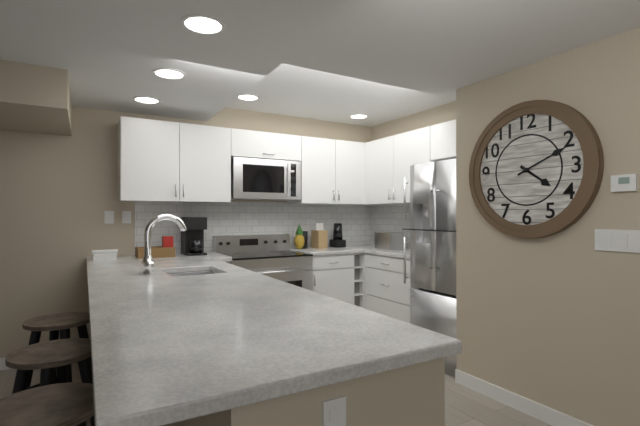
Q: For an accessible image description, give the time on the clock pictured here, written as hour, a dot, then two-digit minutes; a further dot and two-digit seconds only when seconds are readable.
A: 4.11
